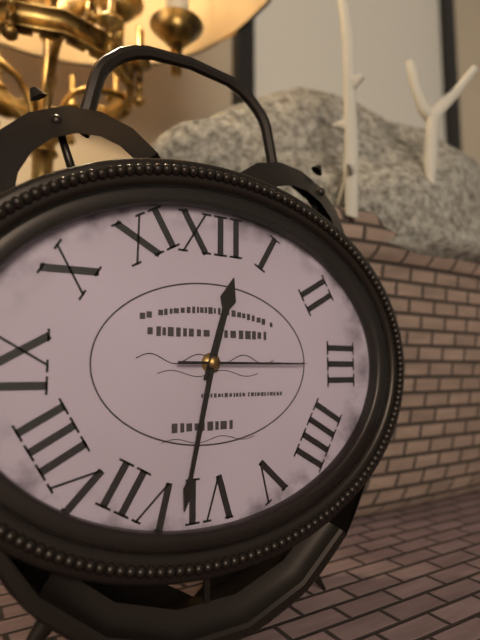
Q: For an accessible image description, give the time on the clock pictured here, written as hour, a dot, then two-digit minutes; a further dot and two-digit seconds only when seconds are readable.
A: 12.32.15
